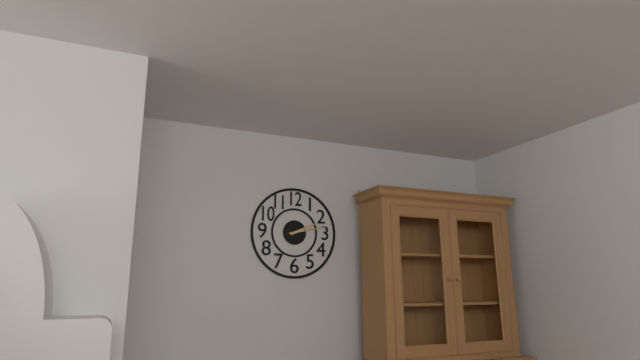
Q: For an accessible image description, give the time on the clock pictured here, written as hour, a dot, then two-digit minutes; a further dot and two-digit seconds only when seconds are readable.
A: 2.13
